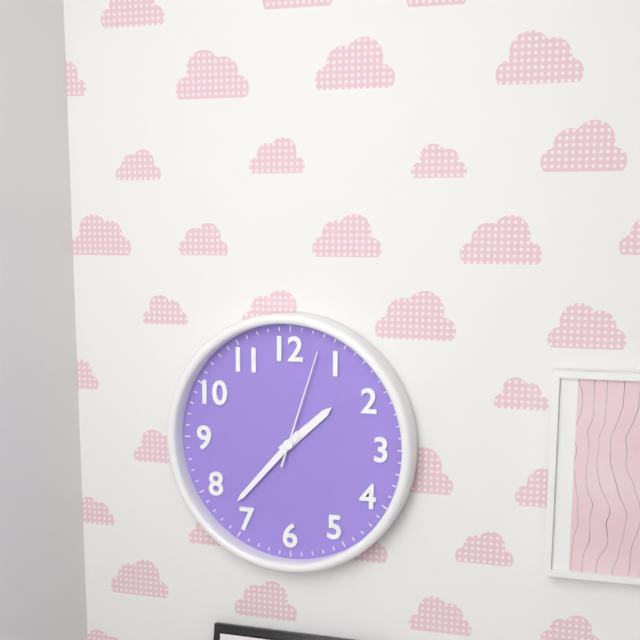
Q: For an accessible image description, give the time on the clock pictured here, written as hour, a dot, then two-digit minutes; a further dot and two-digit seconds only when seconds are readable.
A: 1.37.03
